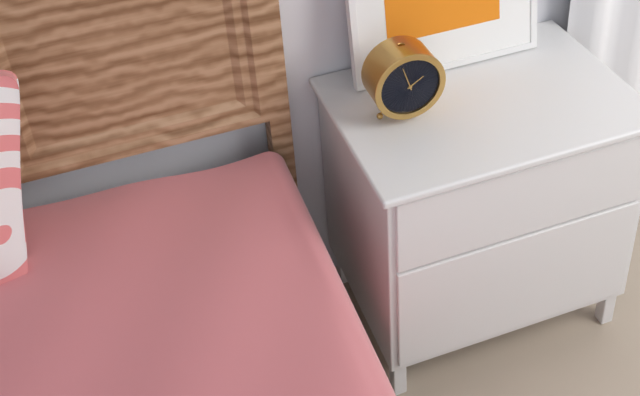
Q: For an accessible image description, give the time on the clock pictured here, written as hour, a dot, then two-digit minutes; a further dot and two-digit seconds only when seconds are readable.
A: 1.57
